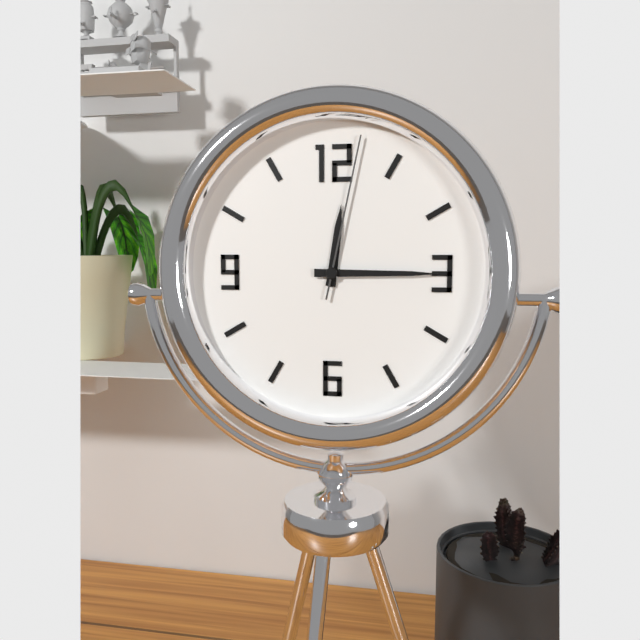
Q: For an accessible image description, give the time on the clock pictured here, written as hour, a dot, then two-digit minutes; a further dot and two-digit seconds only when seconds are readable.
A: 12.15.02
